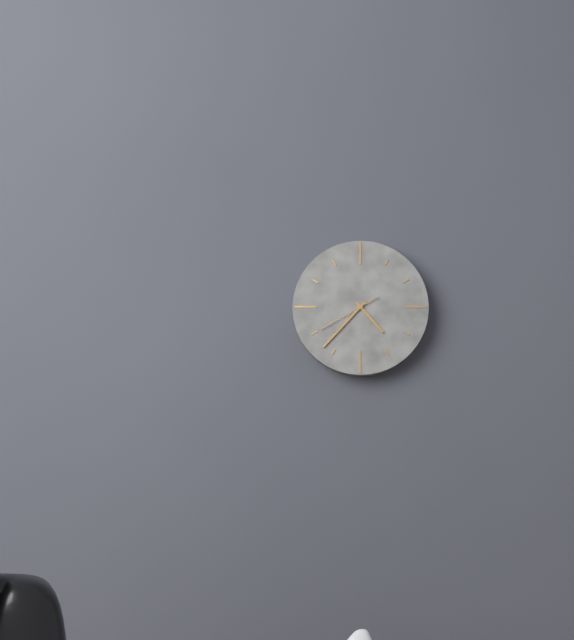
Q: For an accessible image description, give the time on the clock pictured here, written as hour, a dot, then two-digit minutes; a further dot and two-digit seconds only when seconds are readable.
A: 4.37.40
